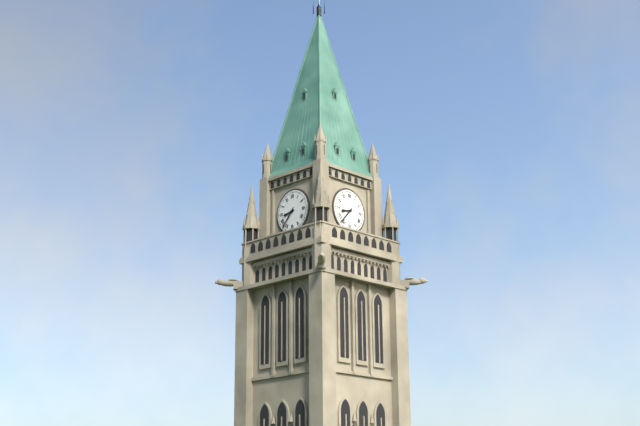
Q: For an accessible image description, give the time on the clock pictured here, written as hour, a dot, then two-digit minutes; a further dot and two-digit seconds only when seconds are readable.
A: 8.37
